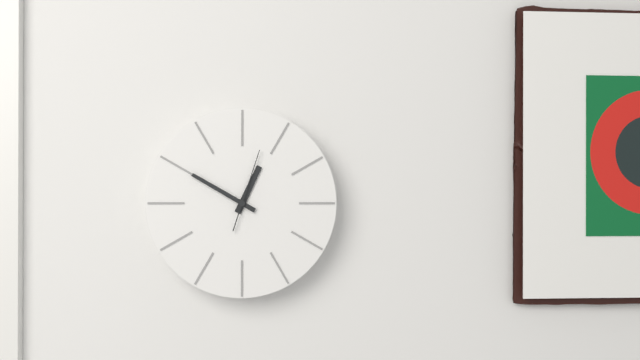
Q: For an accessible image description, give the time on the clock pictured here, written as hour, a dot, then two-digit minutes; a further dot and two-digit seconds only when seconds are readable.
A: 12.50.03
